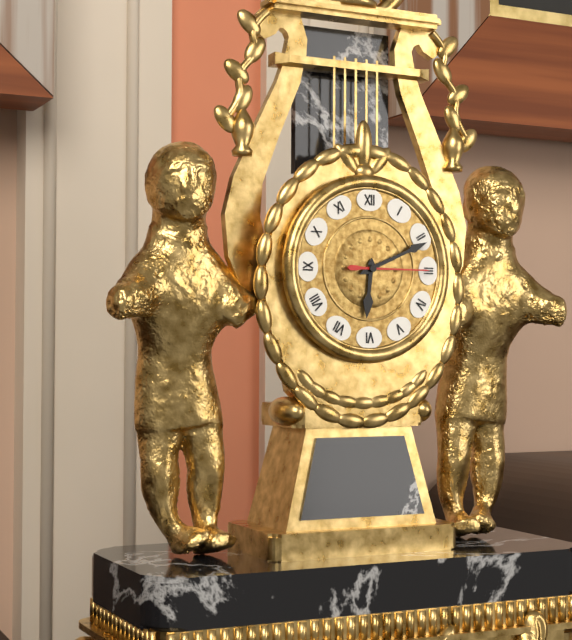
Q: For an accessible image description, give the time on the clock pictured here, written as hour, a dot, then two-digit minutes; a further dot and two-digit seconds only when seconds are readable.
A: 6.11.15
